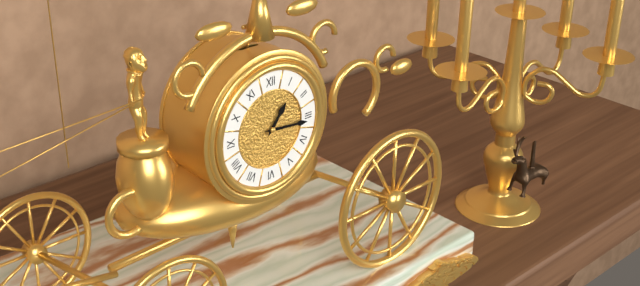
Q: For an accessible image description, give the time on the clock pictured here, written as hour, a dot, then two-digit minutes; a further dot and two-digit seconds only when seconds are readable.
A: 1.16
